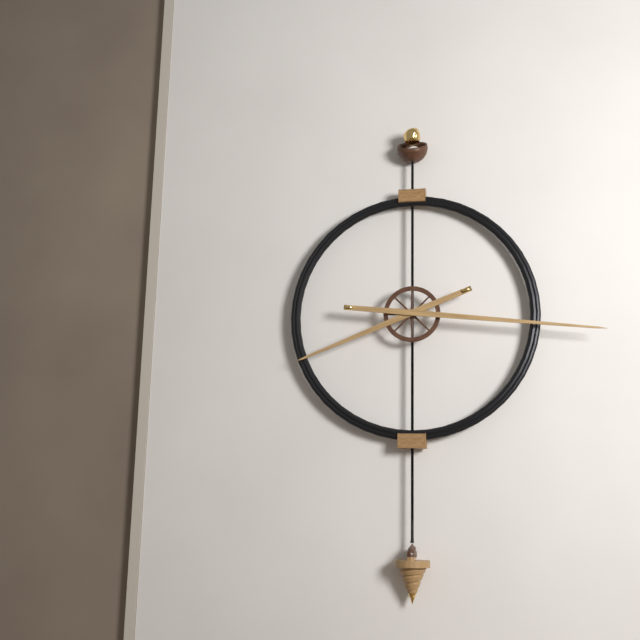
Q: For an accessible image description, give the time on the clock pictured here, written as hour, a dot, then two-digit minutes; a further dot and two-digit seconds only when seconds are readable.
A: 8.16
